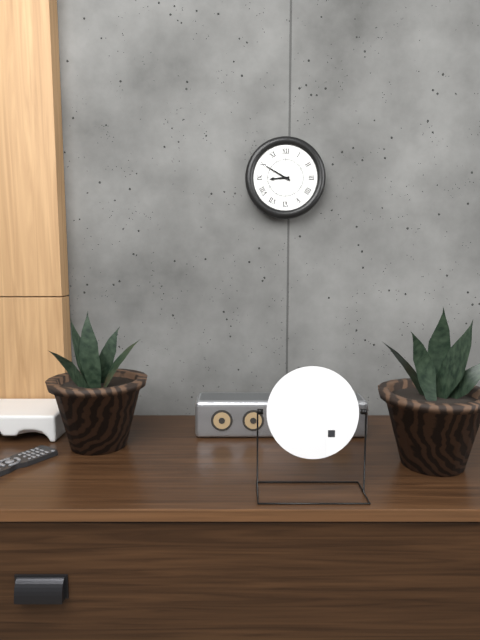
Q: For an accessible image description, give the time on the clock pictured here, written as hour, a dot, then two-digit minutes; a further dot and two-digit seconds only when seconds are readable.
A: 8.50
